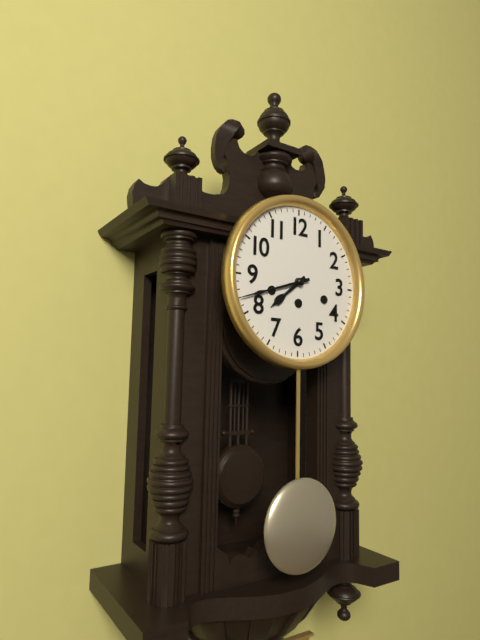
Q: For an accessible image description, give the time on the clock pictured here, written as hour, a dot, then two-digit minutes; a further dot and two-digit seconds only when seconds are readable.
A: 7.42
